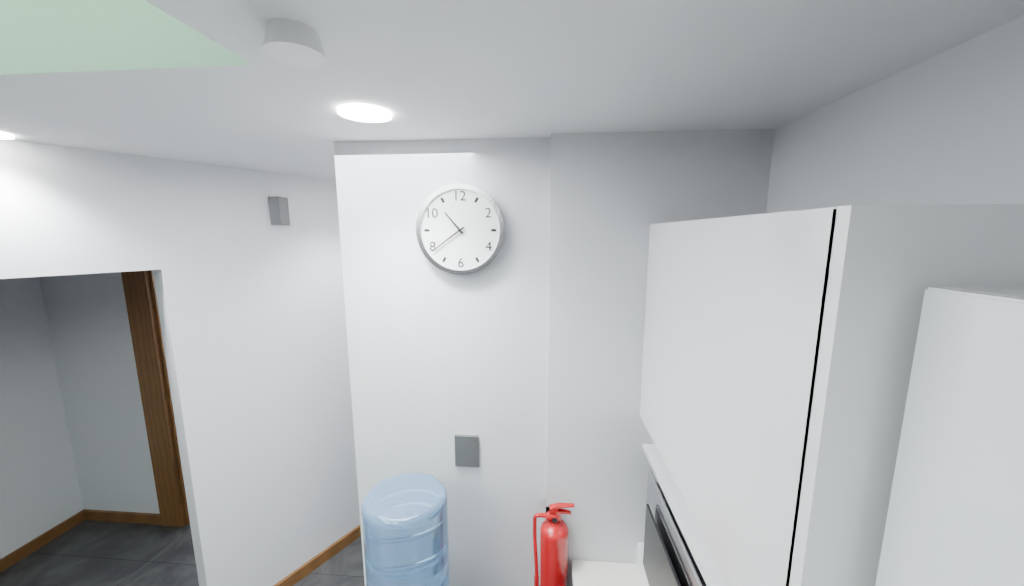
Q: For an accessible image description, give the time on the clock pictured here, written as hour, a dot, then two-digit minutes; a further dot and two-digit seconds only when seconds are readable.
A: 10.39
